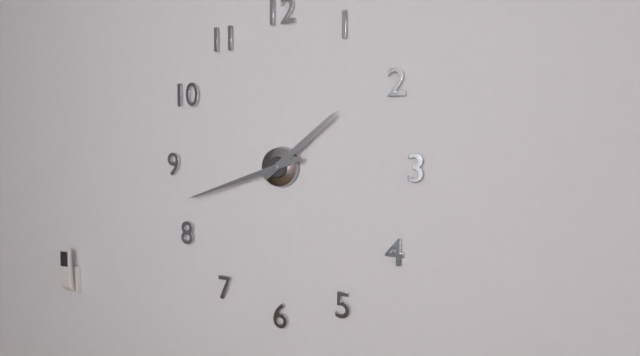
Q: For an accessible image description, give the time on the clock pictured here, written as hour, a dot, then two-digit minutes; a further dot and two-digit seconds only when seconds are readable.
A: 1.42
